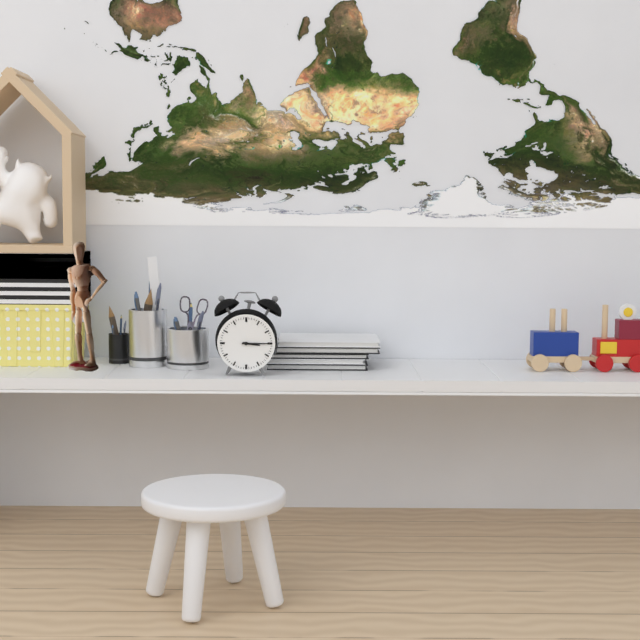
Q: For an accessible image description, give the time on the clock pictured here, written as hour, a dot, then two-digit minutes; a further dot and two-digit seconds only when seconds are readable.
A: 3.15
